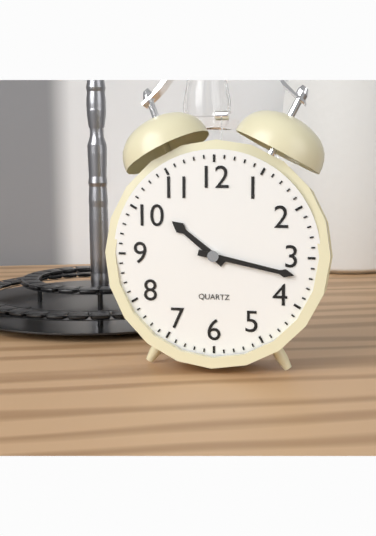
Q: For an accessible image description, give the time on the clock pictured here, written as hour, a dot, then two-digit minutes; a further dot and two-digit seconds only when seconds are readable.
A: 10.17
